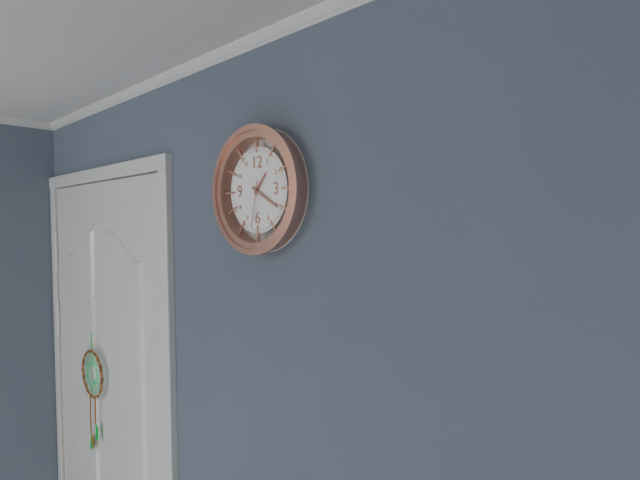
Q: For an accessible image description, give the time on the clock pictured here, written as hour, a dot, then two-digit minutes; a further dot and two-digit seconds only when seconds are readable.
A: 1.20
